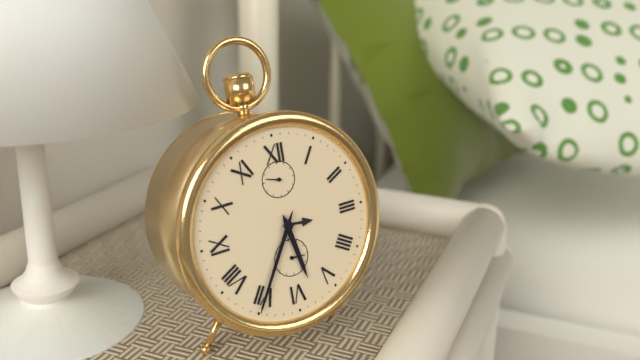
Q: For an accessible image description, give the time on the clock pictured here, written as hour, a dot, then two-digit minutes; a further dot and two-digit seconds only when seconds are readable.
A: 5.35
